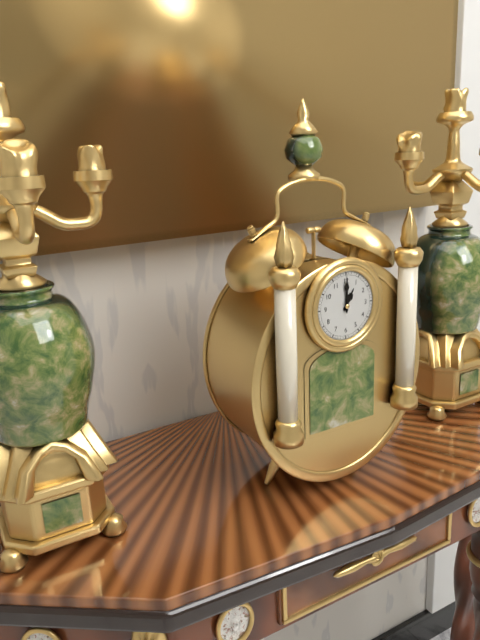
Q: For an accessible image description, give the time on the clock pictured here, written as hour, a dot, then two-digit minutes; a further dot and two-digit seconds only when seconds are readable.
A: 1.00
